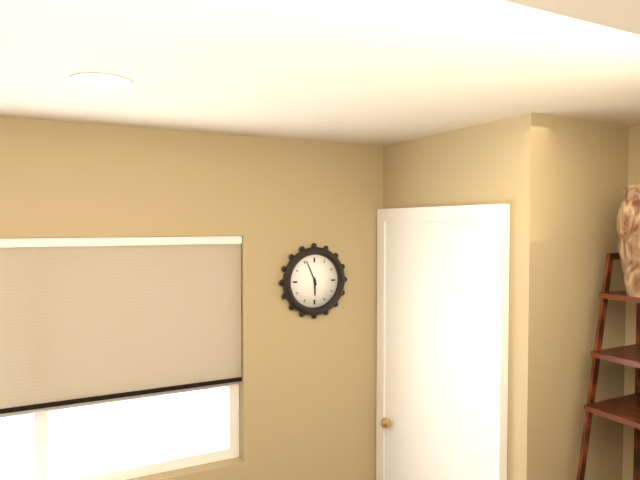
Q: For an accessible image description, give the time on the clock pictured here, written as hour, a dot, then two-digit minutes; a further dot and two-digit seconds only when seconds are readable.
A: 5.56
